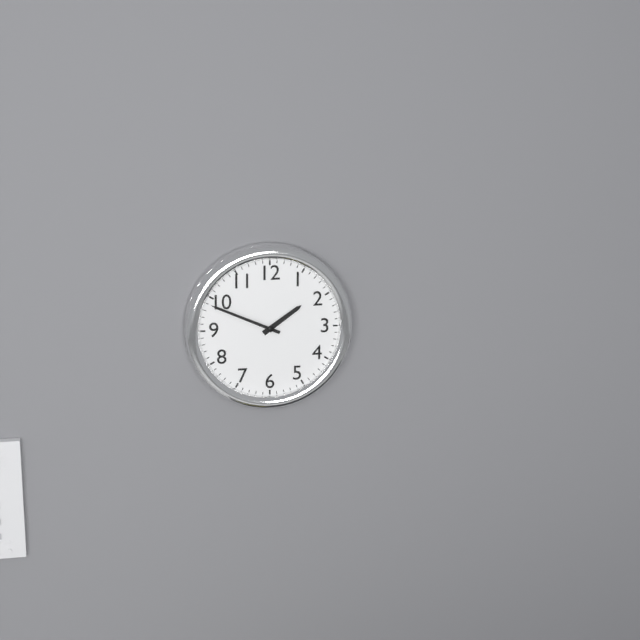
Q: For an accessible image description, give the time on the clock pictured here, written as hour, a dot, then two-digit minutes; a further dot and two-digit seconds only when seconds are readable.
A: 1.49
